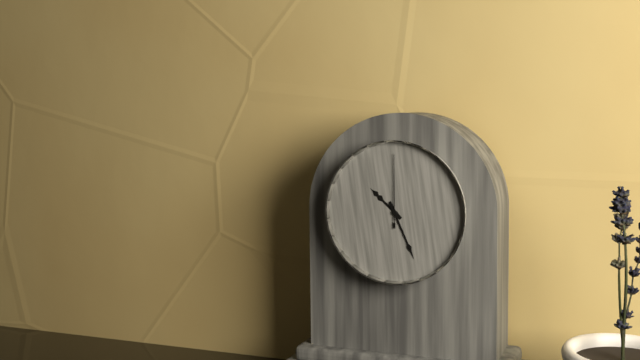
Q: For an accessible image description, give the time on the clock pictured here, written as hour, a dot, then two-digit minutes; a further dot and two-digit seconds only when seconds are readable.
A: 10.26.00
